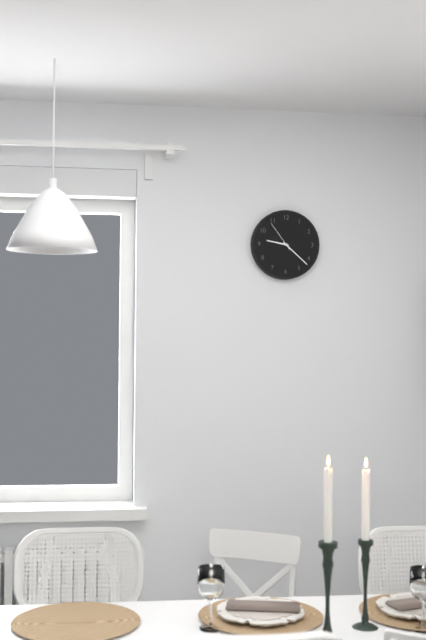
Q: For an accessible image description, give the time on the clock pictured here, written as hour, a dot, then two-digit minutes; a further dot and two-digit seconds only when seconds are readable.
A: 9.22
